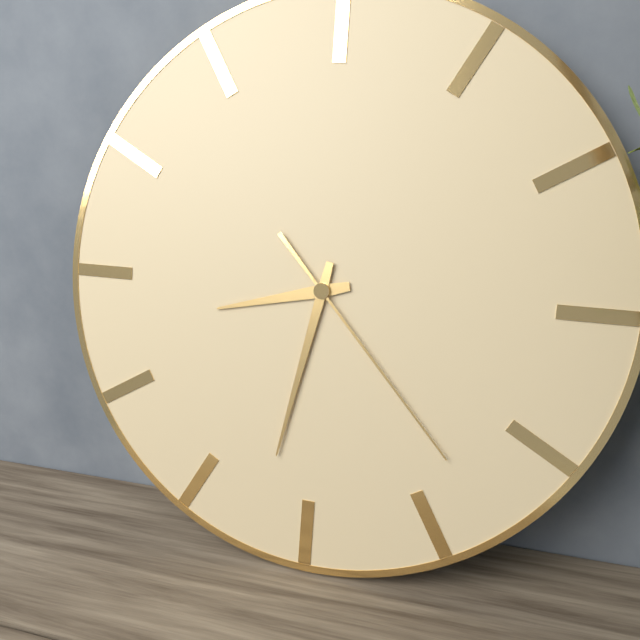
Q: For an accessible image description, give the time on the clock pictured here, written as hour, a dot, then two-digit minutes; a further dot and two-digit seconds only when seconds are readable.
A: 8.32.23
